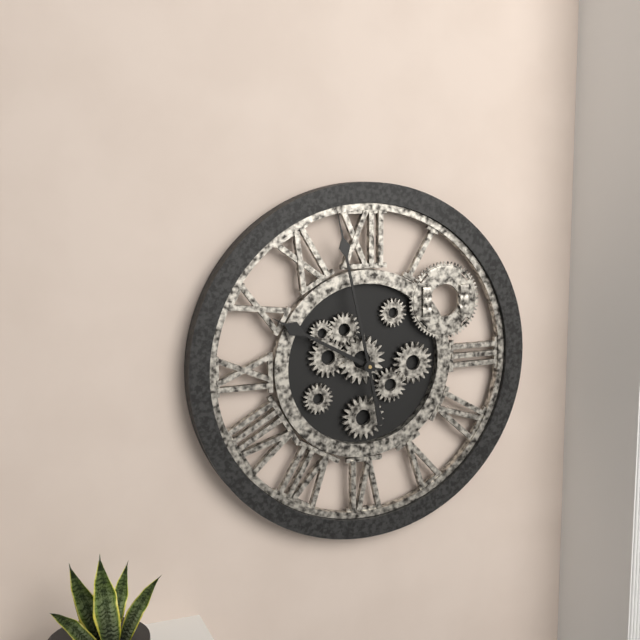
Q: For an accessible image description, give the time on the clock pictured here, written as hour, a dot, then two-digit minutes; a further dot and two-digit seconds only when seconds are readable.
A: 9.58
